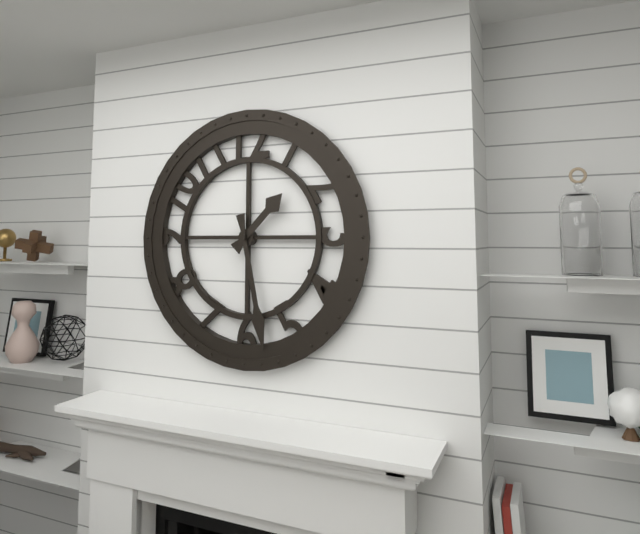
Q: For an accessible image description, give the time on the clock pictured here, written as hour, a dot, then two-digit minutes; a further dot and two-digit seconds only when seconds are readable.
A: 1.28
